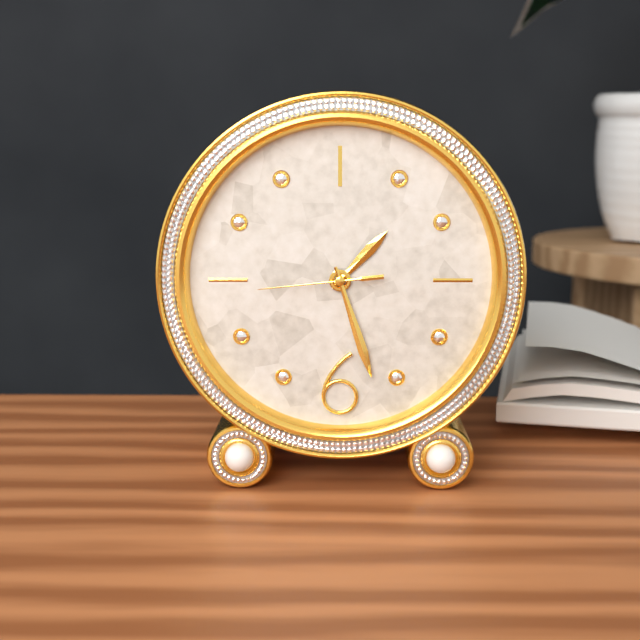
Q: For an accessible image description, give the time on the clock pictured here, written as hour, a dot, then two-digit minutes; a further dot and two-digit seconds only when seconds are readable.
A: 1.27.44
